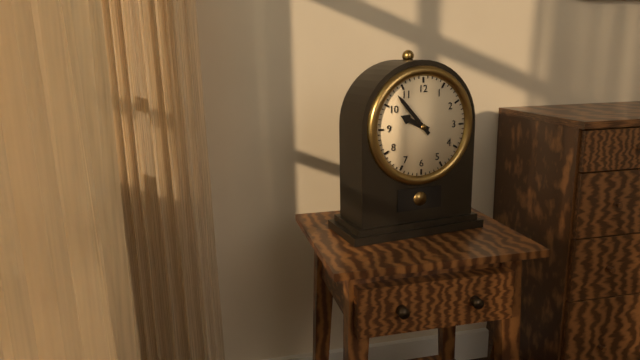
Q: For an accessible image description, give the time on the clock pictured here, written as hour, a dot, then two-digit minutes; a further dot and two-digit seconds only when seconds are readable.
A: 9.53
